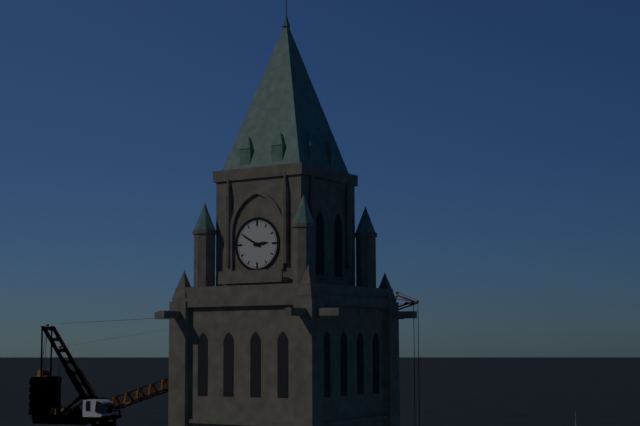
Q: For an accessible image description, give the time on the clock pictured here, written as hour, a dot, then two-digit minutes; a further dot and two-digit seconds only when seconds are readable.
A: 2.50
